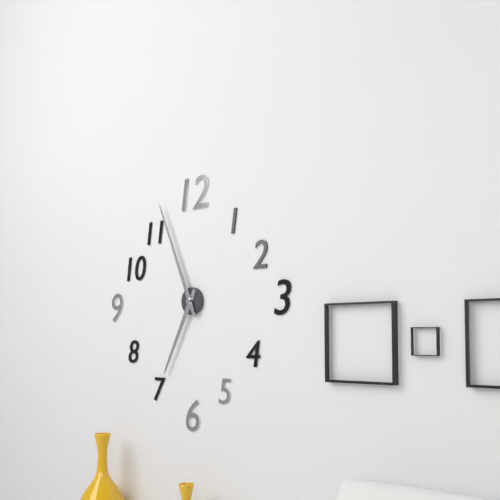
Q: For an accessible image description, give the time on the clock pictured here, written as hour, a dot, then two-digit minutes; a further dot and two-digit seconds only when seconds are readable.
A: 6.56
